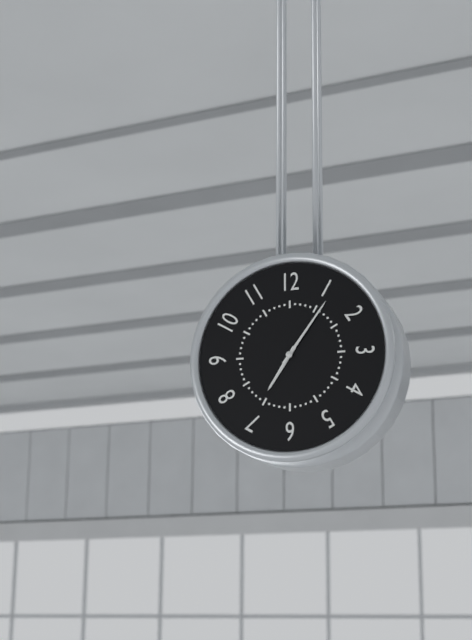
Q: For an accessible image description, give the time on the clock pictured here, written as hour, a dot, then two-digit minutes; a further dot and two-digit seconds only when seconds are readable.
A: 7.06
